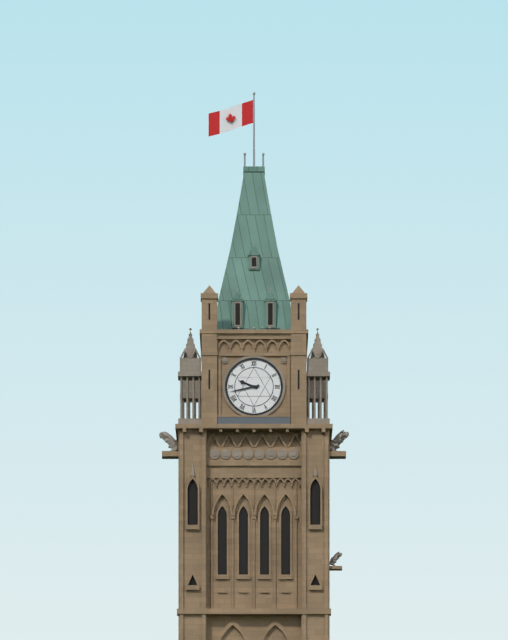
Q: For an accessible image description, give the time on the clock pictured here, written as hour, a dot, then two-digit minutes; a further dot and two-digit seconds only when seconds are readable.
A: 9.43
